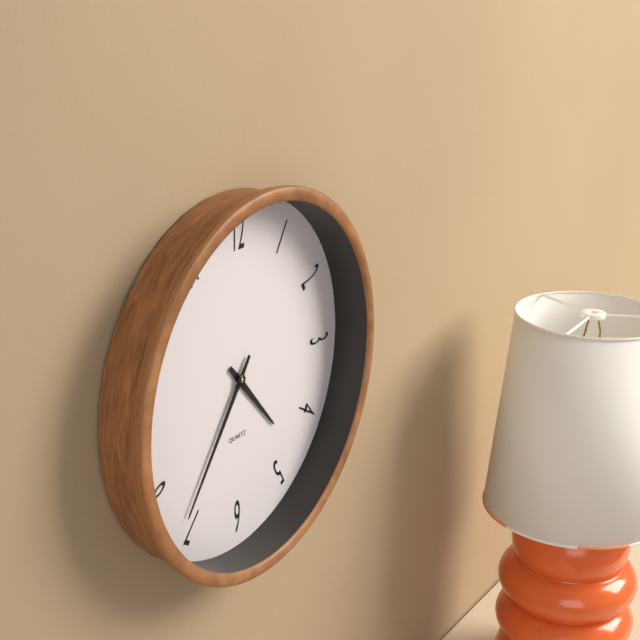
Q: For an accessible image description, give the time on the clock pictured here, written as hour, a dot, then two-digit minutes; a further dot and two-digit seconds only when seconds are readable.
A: 4.36
